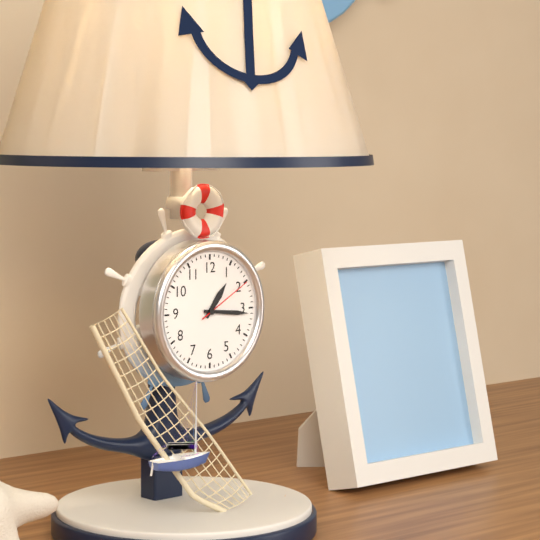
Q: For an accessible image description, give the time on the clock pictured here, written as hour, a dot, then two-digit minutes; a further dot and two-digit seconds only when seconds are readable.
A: 1.16.10
